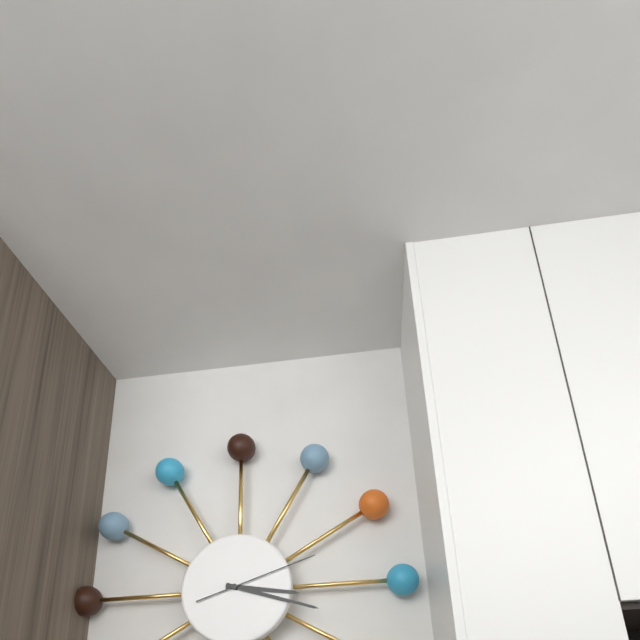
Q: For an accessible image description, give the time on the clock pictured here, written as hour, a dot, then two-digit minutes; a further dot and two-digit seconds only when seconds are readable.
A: 3.18.12
